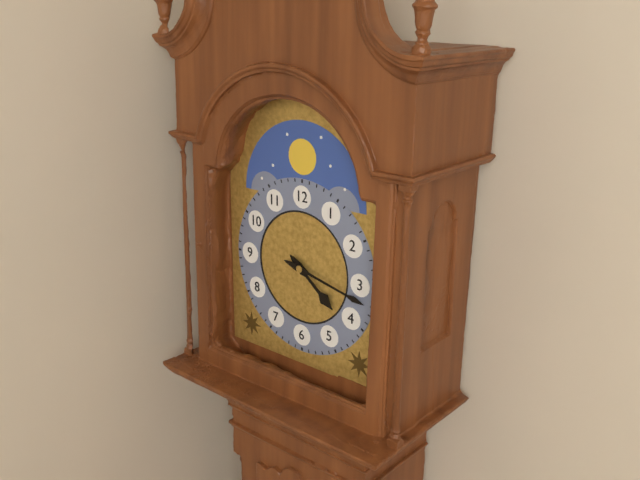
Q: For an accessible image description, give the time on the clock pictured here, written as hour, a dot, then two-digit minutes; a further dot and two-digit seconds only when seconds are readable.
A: 4.17
